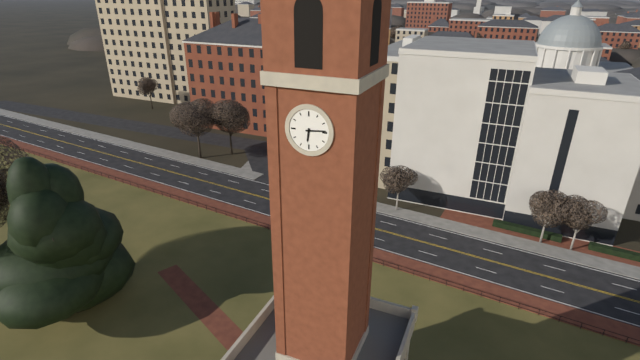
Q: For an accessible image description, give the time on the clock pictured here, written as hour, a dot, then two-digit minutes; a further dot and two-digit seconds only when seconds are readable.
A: 6.14
